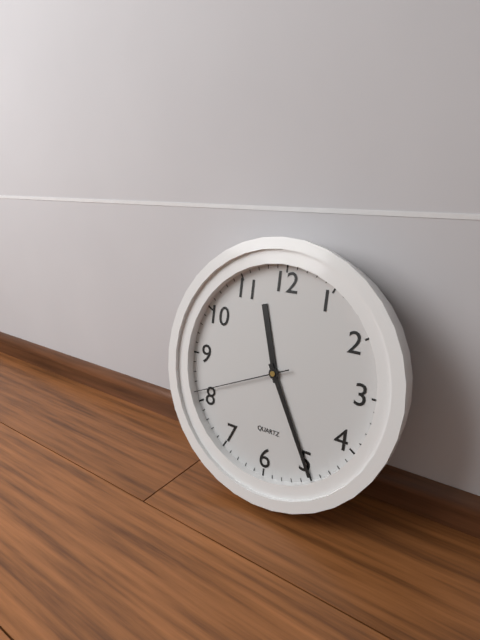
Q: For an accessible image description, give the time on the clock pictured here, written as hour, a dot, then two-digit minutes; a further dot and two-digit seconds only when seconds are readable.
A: 11.25.41
